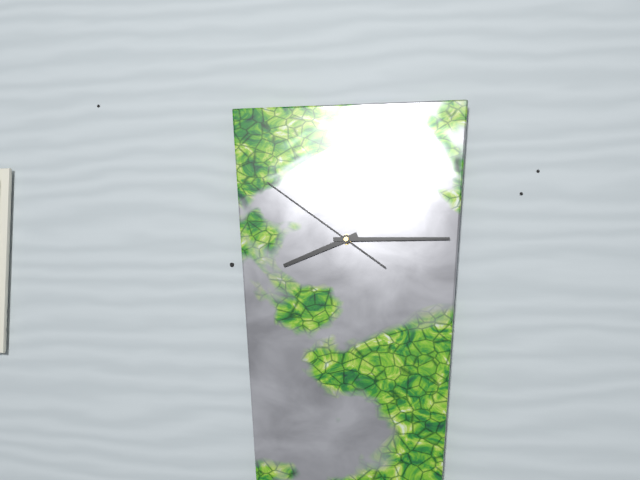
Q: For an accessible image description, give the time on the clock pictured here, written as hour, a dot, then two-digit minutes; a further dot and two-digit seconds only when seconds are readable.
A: 8.15.51
